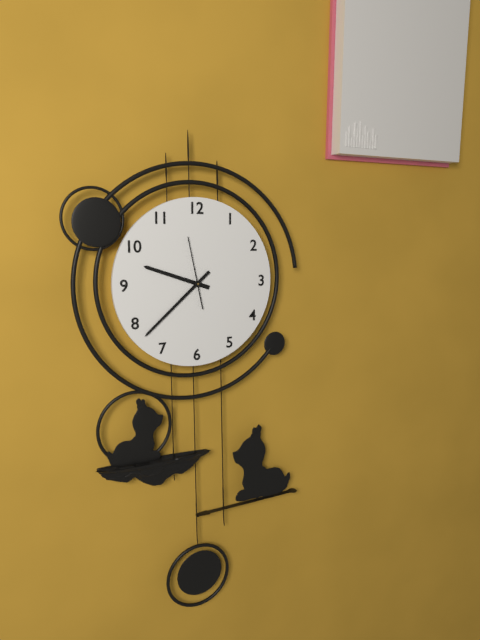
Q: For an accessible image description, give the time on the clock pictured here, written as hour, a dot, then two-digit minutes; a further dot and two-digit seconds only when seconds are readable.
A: 9.38.58
